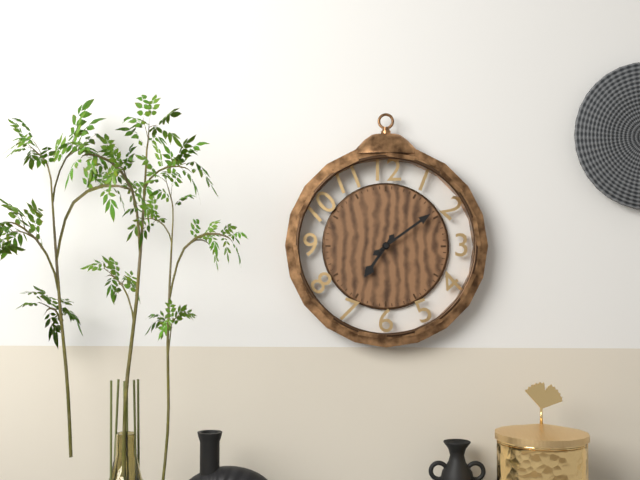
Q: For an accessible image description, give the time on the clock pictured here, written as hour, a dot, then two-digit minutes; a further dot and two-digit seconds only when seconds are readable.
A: 7.09
